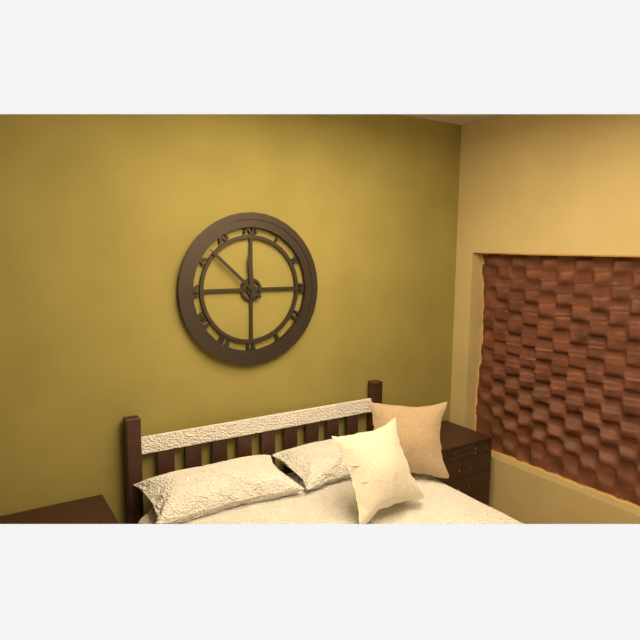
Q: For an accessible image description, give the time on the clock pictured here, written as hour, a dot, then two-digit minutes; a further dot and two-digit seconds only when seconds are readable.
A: 11.52
